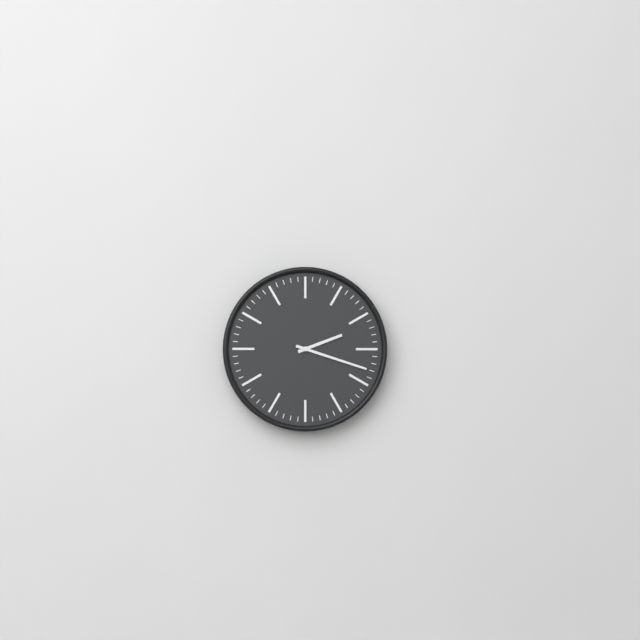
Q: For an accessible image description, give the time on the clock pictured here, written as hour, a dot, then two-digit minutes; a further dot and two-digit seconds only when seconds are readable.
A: 2.18
